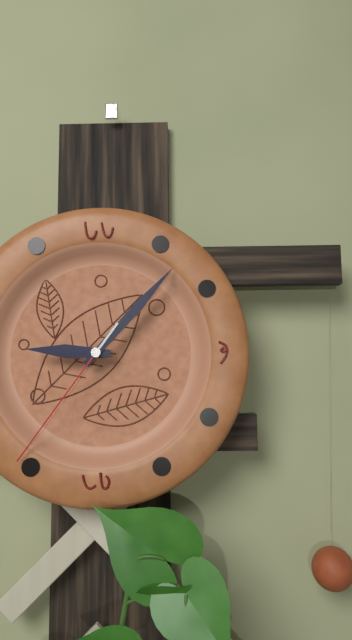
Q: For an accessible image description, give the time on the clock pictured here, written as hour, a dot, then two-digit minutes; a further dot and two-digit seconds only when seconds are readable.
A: 9.07.36
